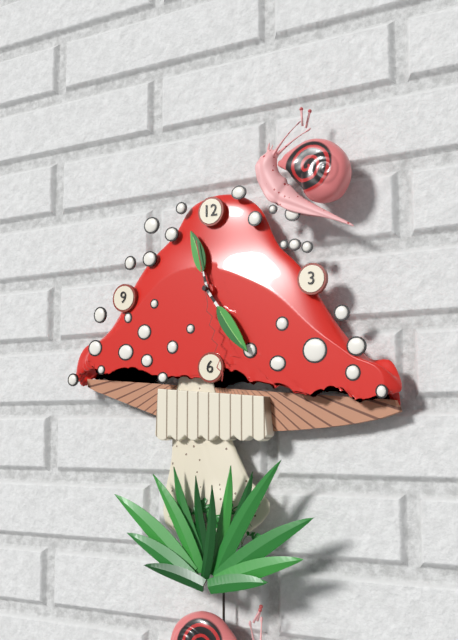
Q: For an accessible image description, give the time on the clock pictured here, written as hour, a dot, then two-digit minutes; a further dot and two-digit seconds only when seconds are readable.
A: 11.24.28
